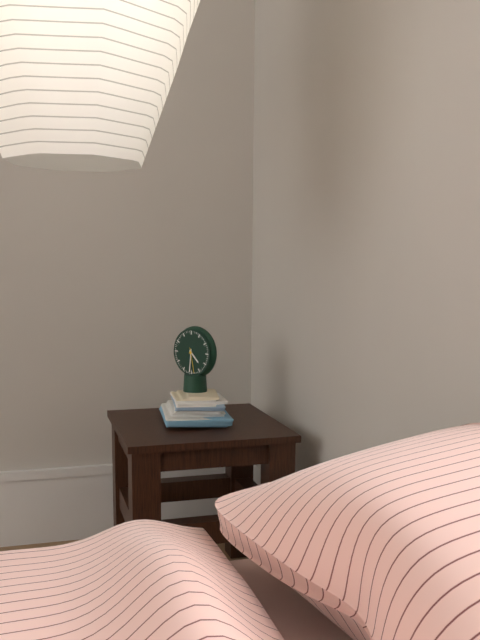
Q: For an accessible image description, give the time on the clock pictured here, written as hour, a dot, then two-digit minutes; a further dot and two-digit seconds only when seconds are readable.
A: 4.31
